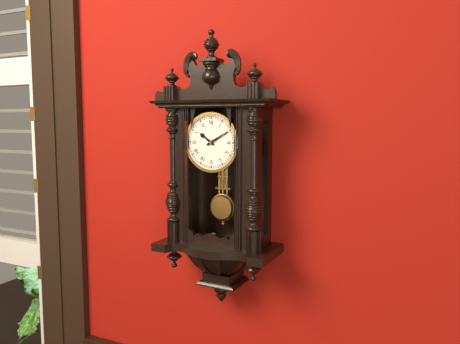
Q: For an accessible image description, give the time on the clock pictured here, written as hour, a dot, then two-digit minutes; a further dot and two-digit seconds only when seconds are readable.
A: 10.10
